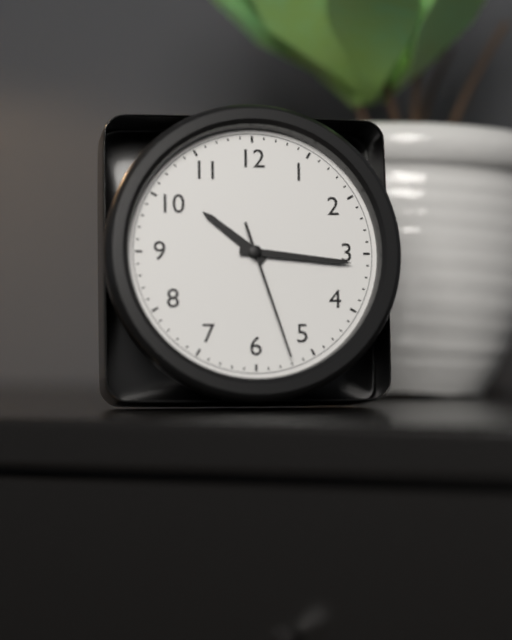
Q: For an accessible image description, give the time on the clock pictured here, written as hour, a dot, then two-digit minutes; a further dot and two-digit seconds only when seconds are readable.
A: 10.16.27
